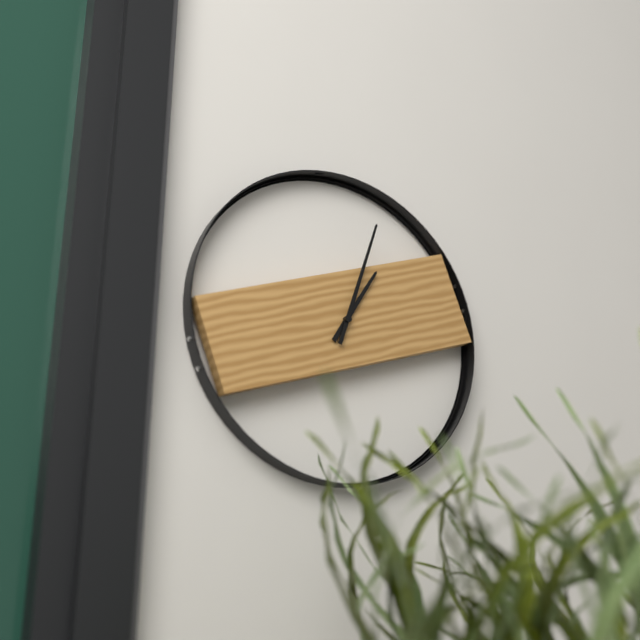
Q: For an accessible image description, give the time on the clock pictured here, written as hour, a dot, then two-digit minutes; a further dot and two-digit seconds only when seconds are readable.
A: 1.03
